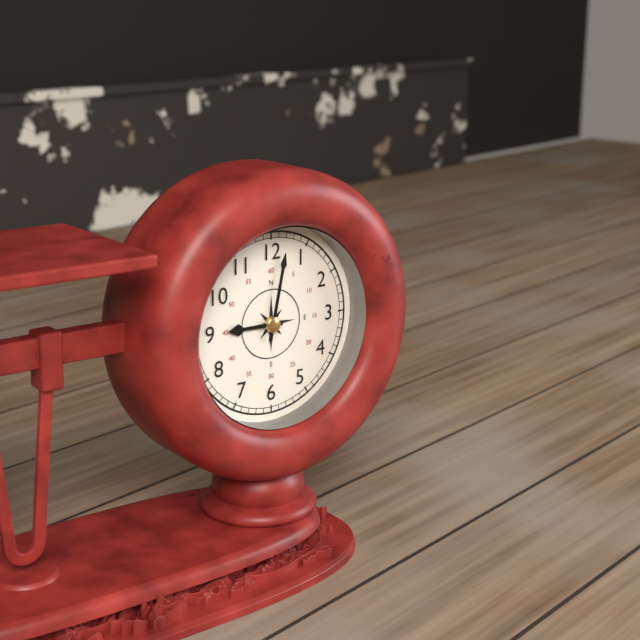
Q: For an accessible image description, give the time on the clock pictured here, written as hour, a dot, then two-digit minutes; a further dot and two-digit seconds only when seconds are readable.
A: 9.02
